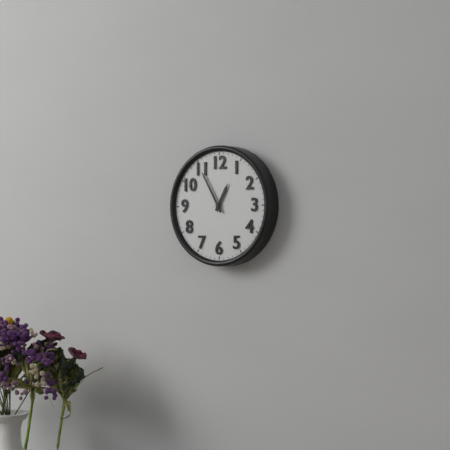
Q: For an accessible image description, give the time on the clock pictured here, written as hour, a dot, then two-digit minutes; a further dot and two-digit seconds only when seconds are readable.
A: 12.55
